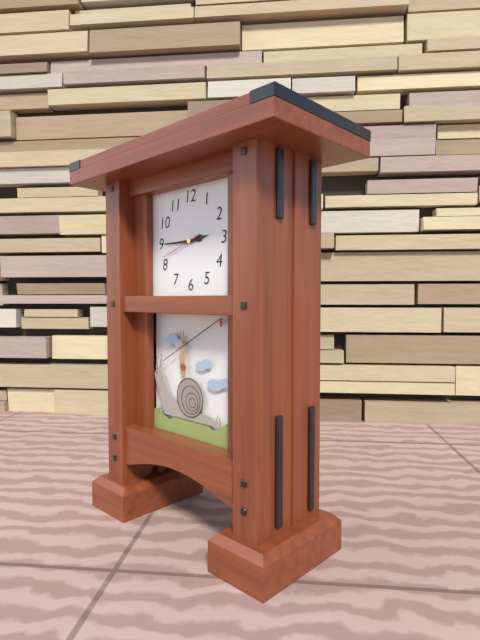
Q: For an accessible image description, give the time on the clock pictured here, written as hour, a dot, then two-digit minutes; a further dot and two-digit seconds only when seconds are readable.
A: 2.45
